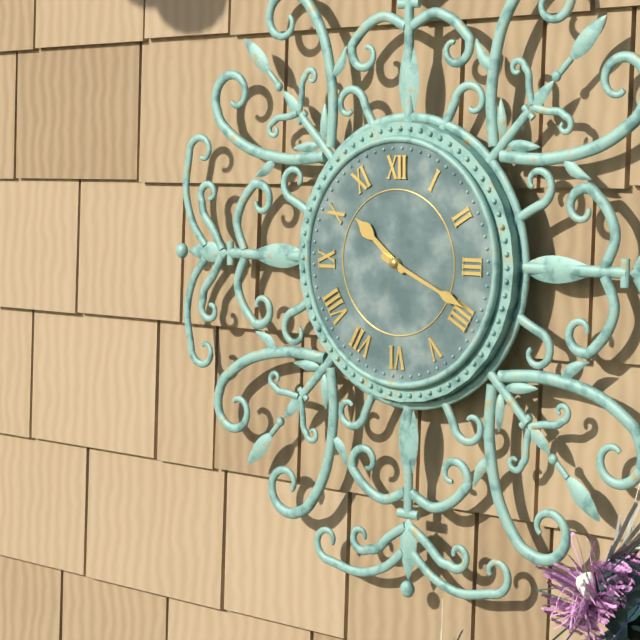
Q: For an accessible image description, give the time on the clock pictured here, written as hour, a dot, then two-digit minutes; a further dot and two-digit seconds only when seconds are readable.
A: 10.19
